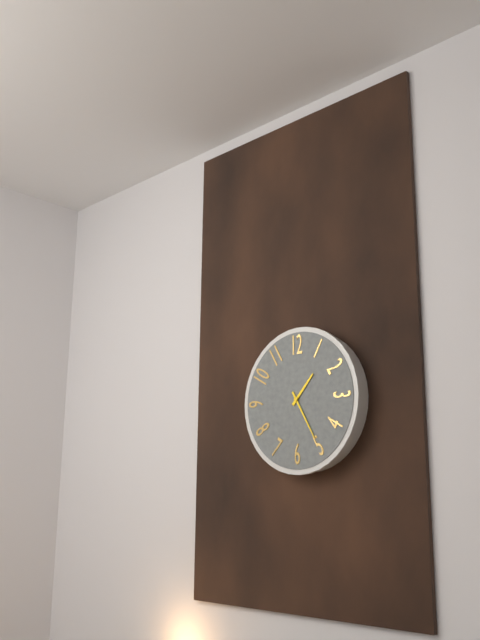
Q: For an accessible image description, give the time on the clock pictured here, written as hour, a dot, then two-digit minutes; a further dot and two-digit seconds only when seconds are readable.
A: 1.25
